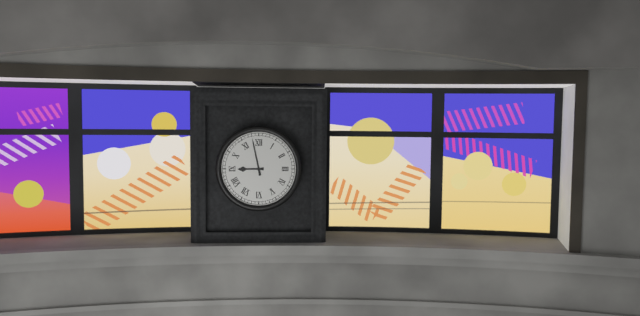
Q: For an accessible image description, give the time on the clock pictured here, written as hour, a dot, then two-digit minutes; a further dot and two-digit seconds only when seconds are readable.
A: 8.58
